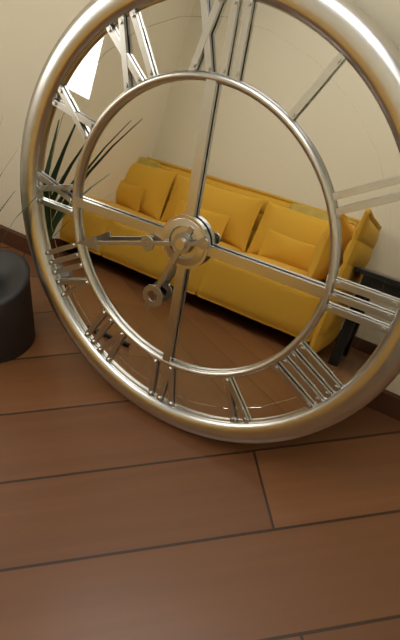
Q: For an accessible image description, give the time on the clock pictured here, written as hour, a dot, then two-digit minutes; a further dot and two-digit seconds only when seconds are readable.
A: 6.42
